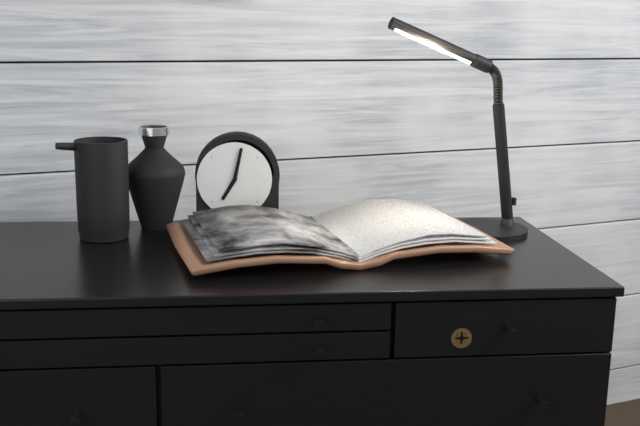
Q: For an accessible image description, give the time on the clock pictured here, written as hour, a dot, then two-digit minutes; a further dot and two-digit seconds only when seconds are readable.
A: 7.02
